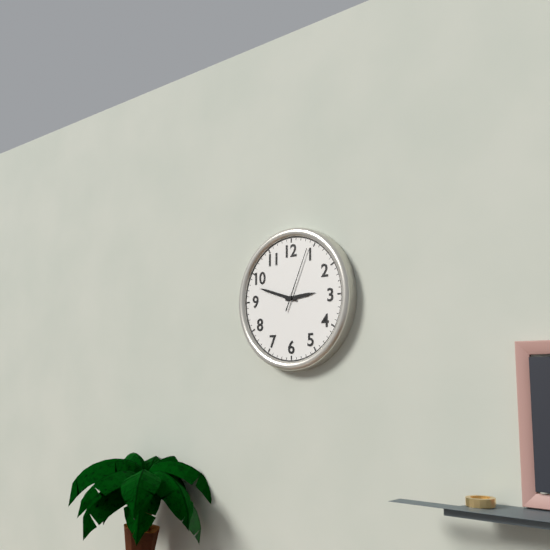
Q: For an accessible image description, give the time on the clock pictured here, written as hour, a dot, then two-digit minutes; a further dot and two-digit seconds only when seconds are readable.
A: 2.48.04
